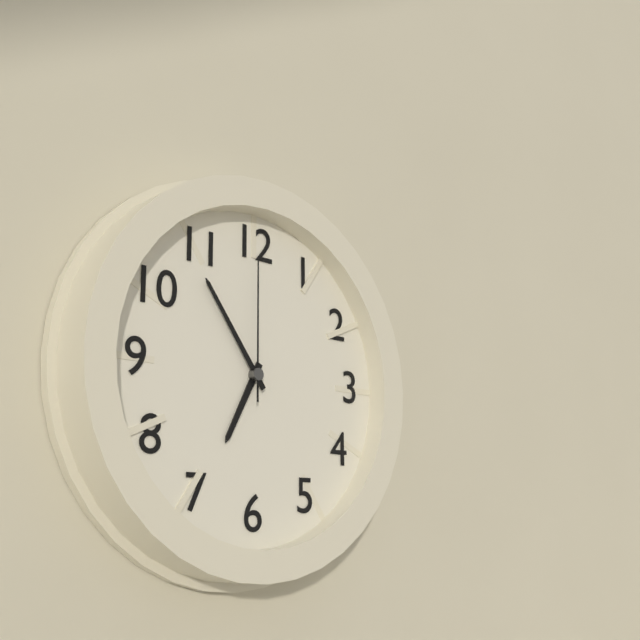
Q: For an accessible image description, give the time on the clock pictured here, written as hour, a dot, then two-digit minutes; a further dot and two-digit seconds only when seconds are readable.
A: 6.54.00
